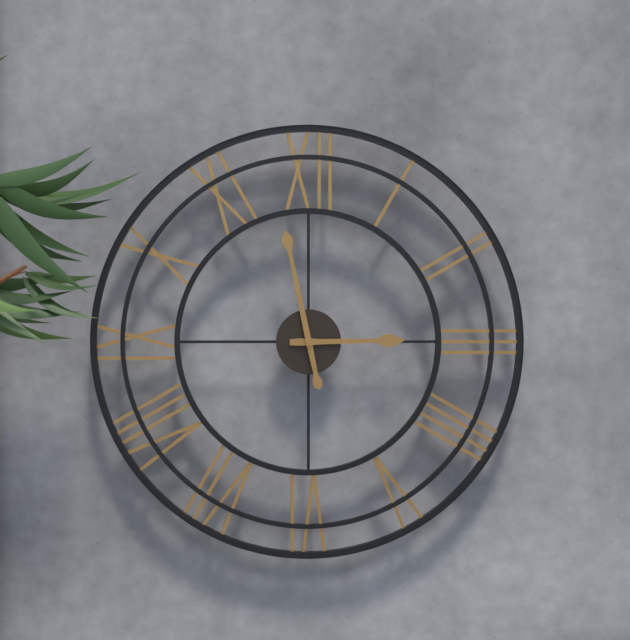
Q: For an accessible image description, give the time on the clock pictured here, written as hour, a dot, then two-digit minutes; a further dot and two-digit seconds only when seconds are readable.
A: 2.58
